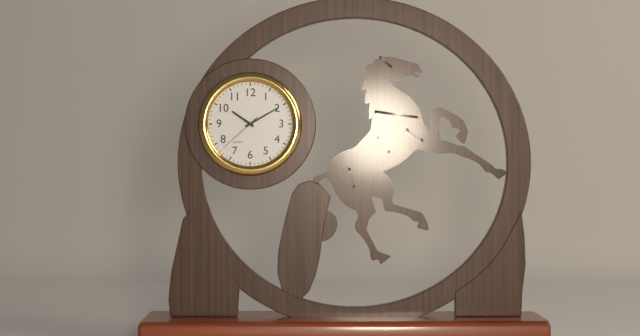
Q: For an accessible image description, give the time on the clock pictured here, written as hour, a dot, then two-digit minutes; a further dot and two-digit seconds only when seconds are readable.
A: 10.10
